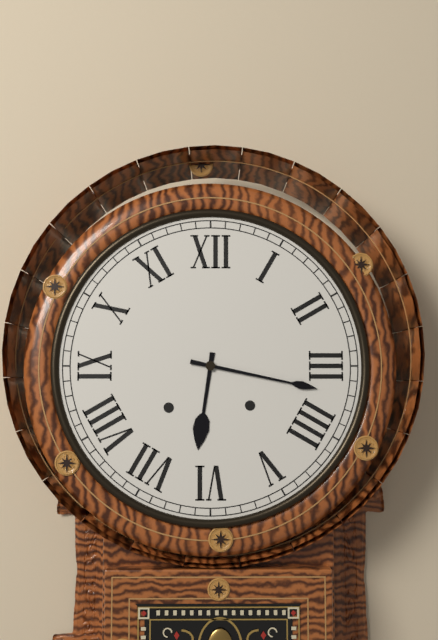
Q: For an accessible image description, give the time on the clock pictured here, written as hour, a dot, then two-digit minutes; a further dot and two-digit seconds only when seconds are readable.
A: 6.17
